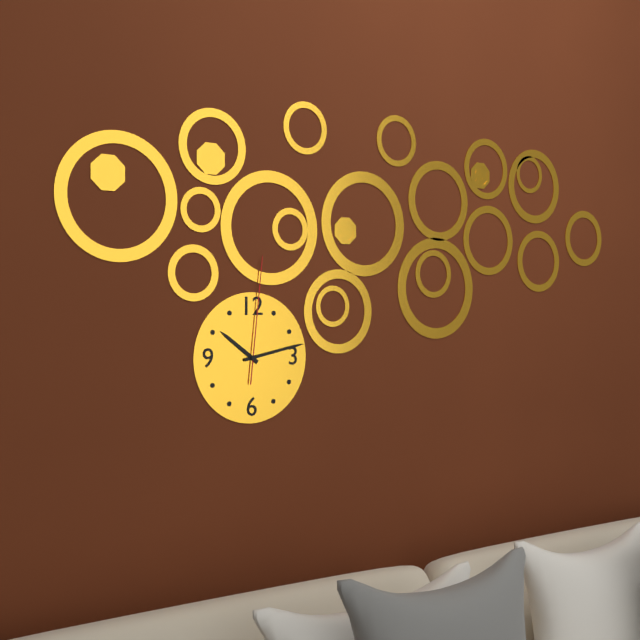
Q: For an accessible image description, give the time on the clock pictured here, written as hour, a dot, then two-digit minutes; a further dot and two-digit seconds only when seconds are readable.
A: 10.13.01
